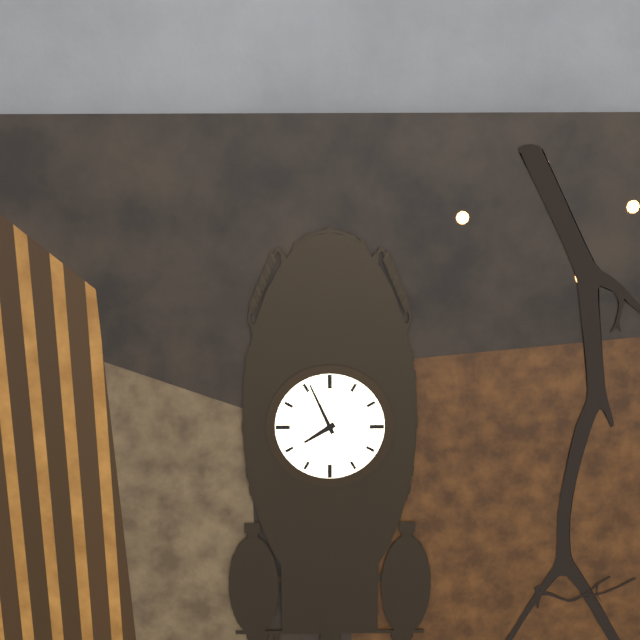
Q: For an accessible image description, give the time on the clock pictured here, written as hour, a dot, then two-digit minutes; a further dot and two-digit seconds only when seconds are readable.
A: 7.56
